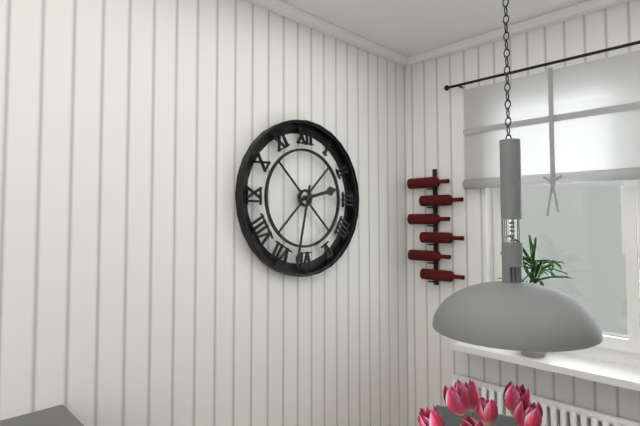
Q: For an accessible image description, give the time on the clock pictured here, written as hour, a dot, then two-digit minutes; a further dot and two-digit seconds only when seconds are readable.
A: 2.32
